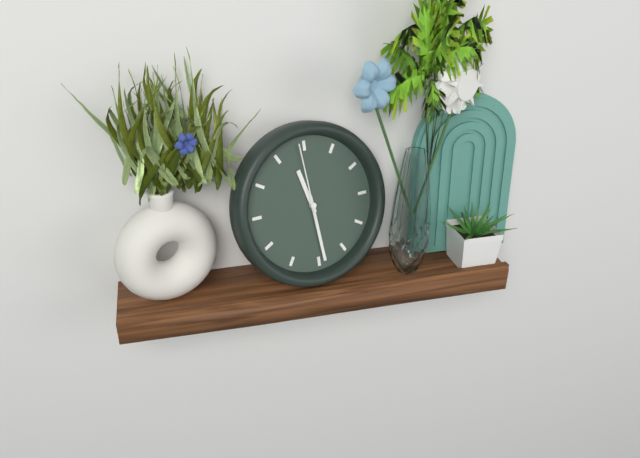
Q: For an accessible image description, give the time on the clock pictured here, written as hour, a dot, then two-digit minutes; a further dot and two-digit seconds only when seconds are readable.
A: 11.29.59
